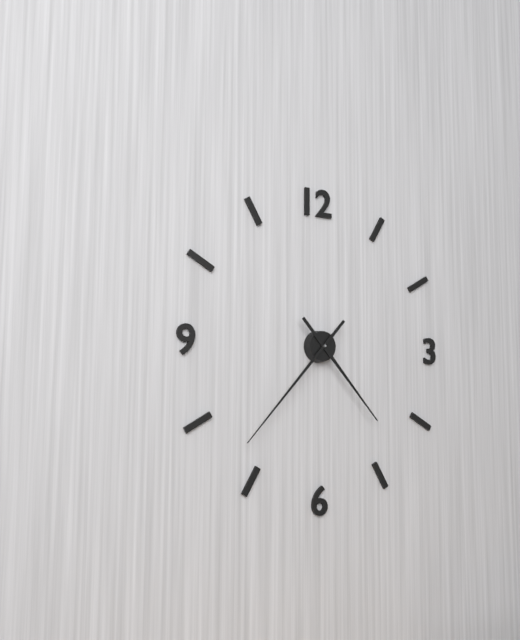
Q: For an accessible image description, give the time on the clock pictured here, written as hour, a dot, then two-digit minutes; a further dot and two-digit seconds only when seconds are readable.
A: 4.37
